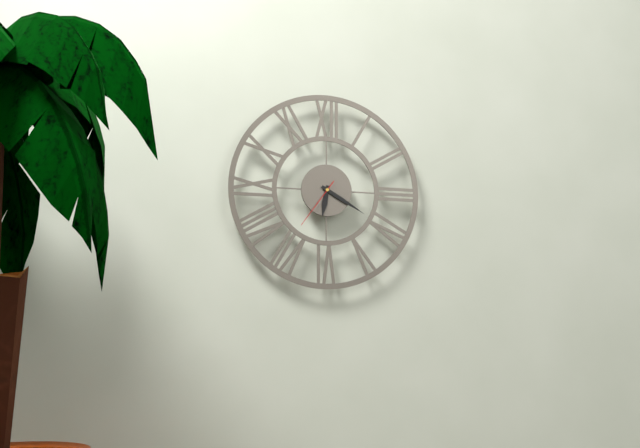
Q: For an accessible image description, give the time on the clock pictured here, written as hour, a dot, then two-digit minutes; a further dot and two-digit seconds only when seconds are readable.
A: 6.20.36
